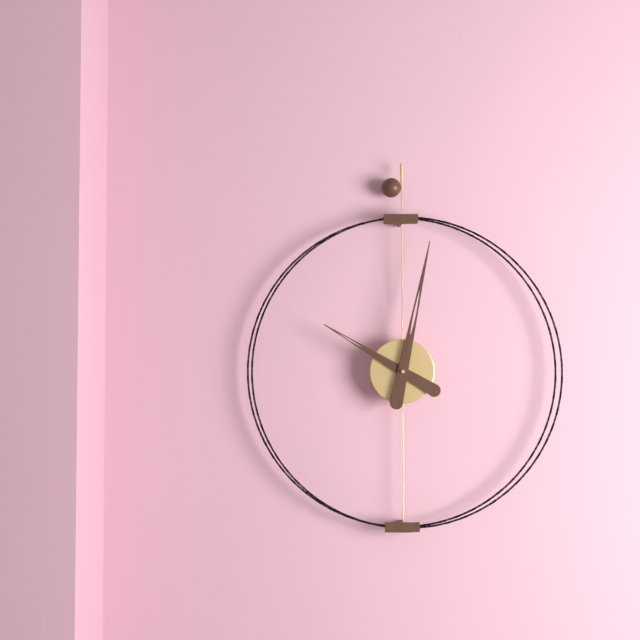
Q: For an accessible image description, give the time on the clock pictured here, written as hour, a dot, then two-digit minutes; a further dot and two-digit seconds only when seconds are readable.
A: 10.02
